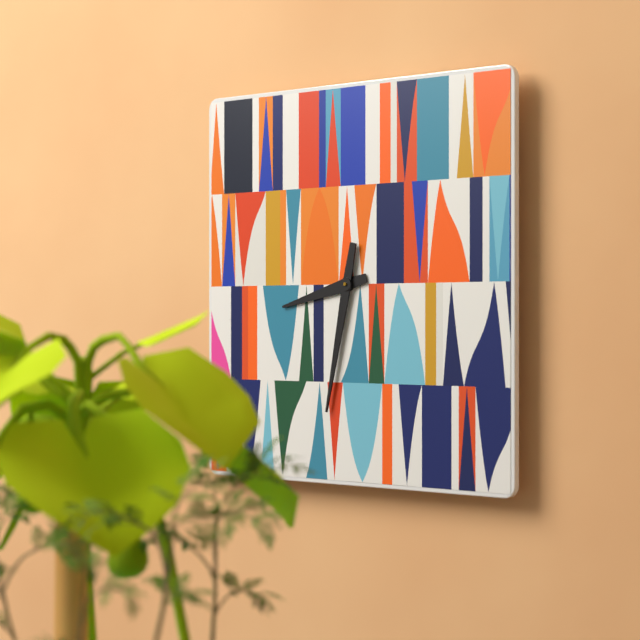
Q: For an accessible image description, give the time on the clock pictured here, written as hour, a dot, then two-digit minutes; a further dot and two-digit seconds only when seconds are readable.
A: 8.32
